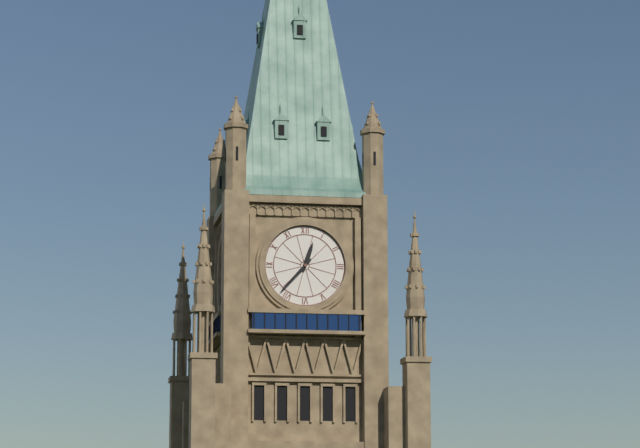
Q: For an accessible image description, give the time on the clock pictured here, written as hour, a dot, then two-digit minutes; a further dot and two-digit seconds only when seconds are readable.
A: 12.37
